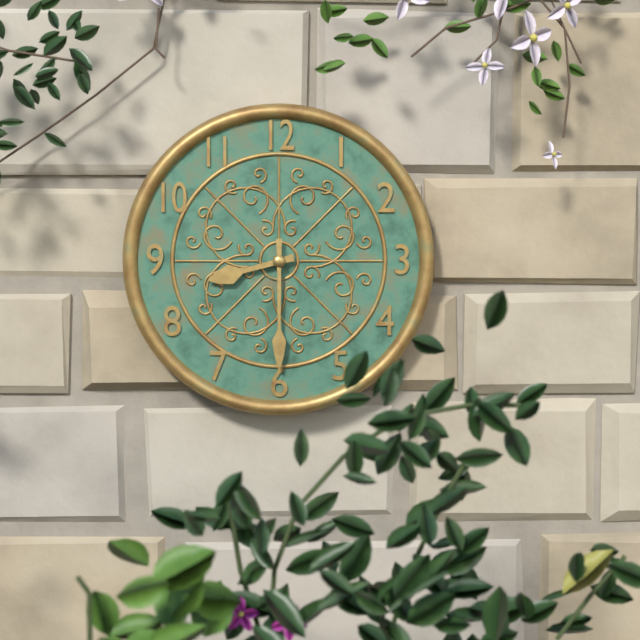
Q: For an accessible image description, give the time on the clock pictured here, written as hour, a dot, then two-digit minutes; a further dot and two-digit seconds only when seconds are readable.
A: 8.30
